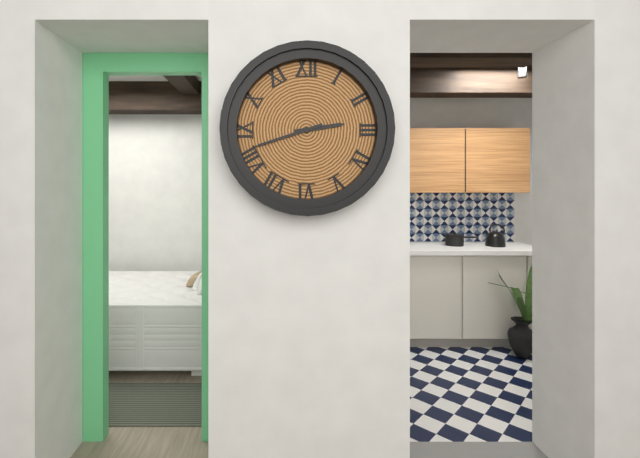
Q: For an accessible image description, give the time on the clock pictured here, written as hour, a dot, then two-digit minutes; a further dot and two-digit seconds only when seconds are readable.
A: 2.42
